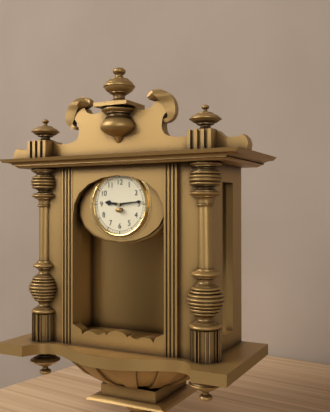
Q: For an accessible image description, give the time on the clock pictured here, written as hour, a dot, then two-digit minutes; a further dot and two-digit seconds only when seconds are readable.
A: 9.14
